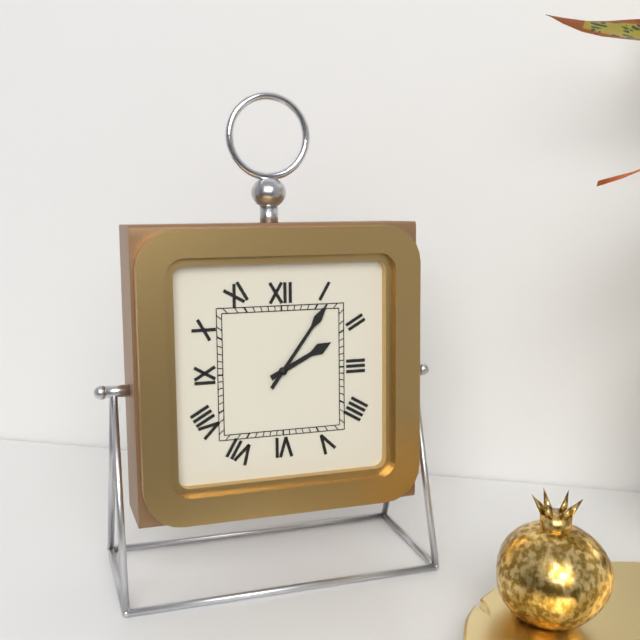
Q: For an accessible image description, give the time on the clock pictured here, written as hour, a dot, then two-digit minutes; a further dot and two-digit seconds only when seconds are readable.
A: 2.06
